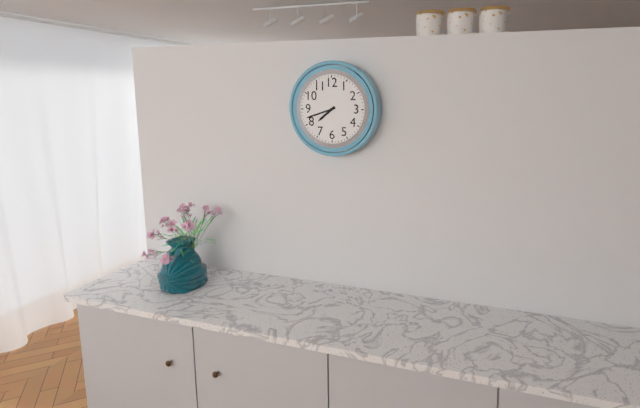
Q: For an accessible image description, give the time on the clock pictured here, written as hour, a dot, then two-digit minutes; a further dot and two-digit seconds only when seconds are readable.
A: 7.42
